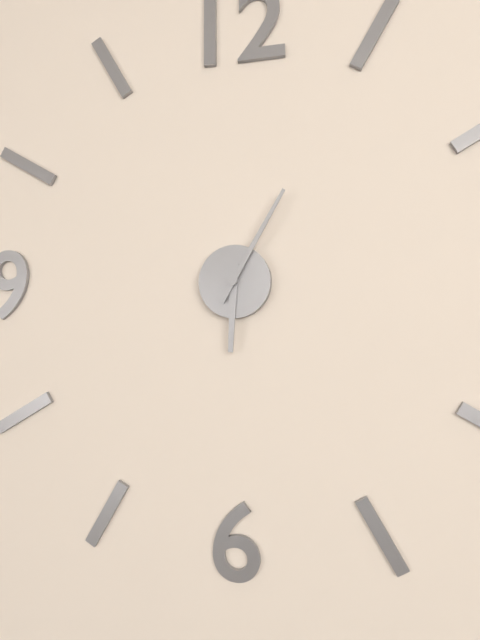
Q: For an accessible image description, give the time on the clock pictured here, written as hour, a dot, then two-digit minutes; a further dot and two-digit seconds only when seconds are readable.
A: 6.05
